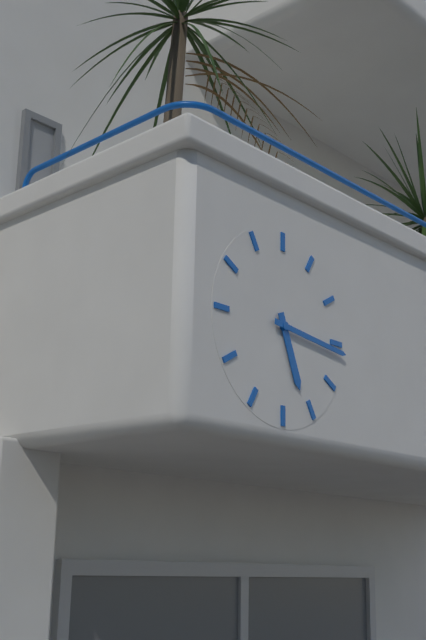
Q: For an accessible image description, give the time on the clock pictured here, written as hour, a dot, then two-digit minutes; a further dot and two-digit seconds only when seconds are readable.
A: 5.16
